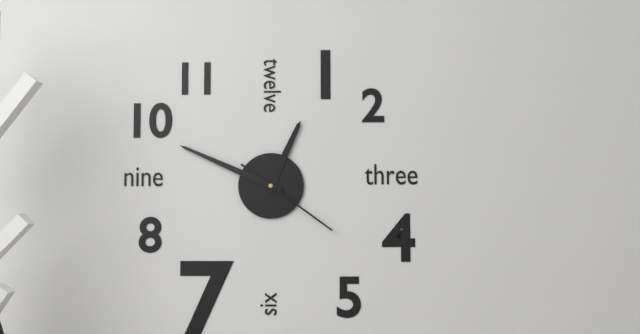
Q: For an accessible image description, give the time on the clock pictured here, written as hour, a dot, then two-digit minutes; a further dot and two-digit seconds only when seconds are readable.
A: 12.49.21
